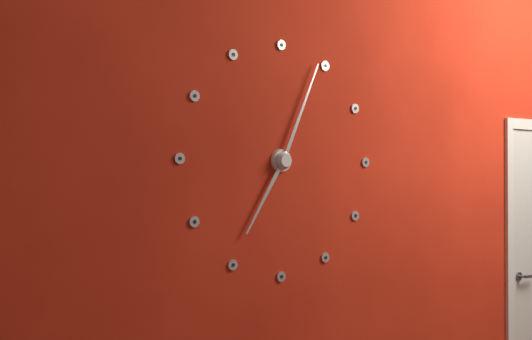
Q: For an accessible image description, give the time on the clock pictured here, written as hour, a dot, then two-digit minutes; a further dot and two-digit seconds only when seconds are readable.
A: 7.04
